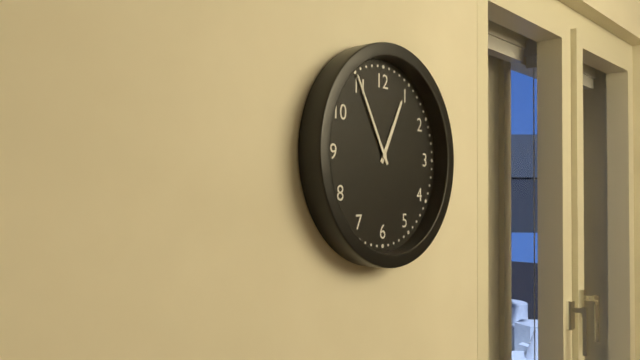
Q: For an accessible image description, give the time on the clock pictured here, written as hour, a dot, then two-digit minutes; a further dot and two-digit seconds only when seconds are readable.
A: 12.55
